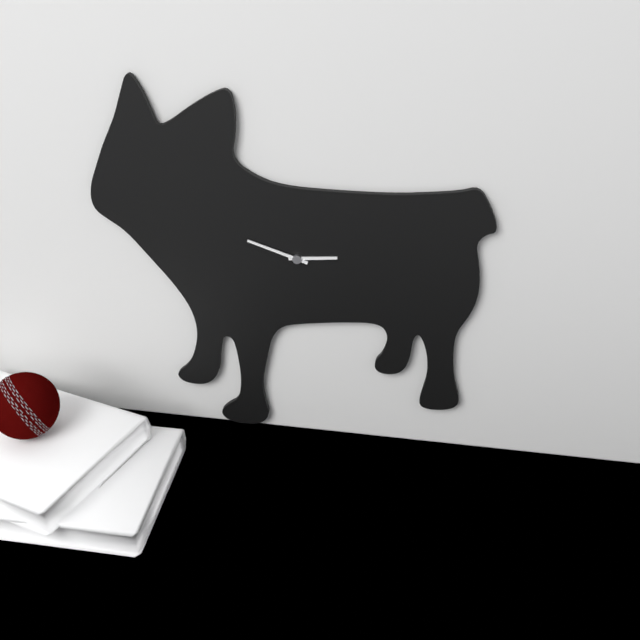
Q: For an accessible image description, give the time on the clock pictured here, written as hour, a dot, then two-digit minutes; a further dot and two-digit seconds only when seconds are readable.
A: 2.48
